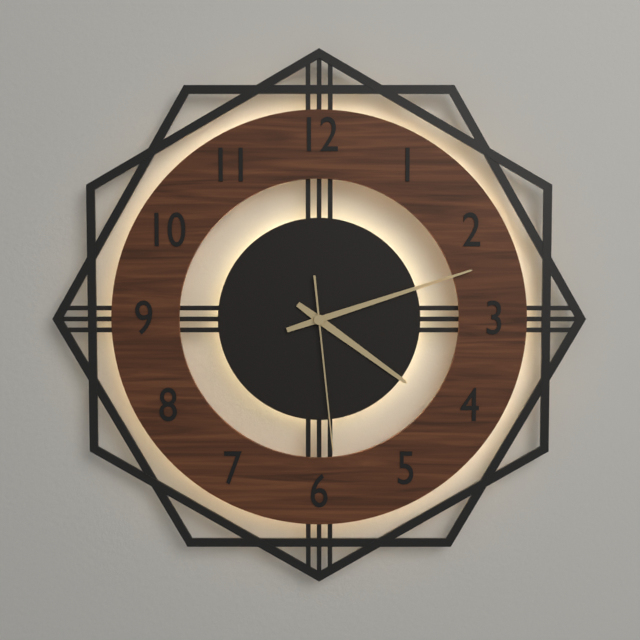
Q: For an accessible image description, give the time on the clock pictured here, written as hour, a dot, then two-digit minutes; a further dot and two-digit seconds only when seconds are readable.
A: 4.12.29
